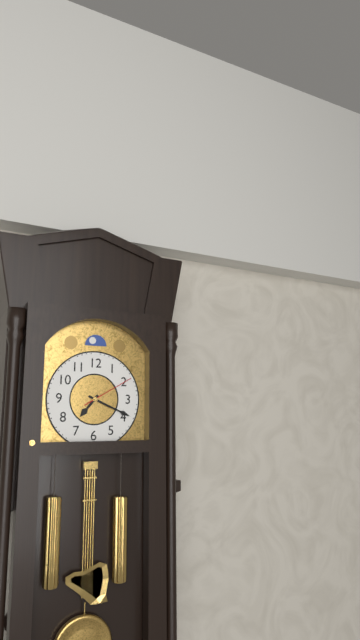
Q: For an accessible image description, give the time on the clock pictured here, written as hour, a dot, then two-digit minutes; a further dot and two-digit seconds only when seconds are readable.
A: 7.19.10
